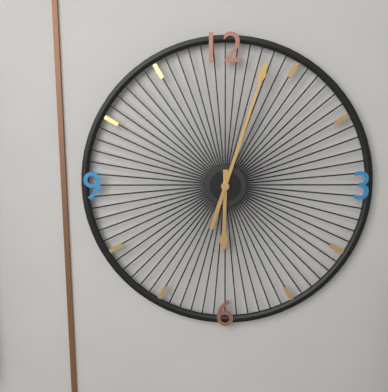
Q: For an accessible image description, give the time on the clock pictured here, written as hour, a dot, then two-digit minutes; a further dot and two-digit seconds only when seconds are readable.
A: 6.03
